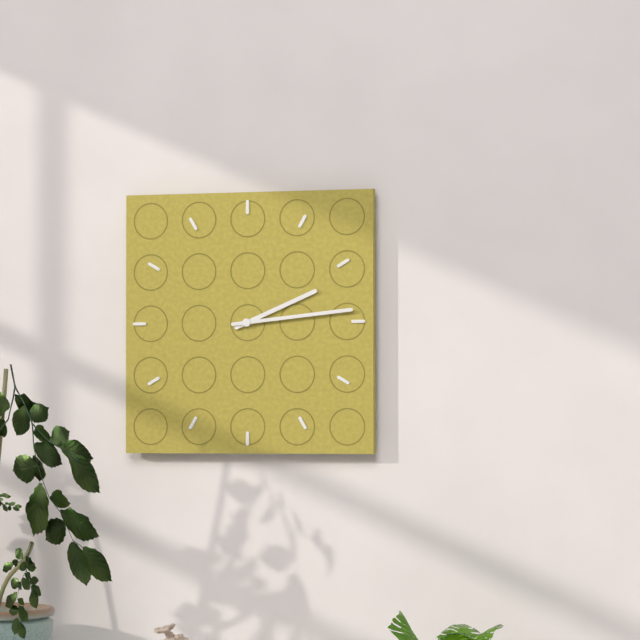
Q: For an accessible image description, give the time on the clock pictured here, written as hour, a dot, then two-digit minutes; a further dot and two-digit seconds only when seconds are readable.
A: 2.14
